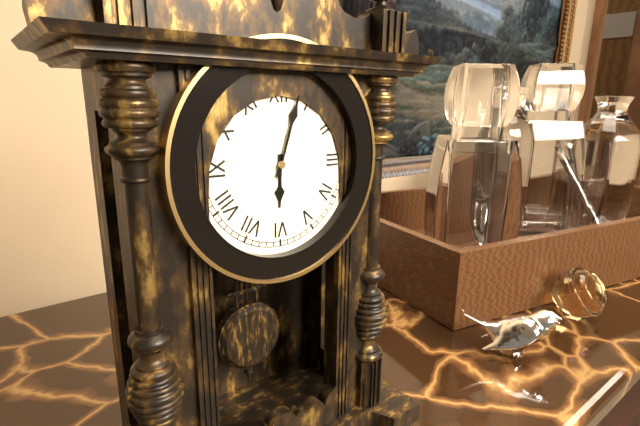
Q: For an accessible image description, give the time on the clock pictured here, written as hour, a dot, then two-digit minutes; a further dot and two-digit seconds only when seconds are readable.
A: 6.03
